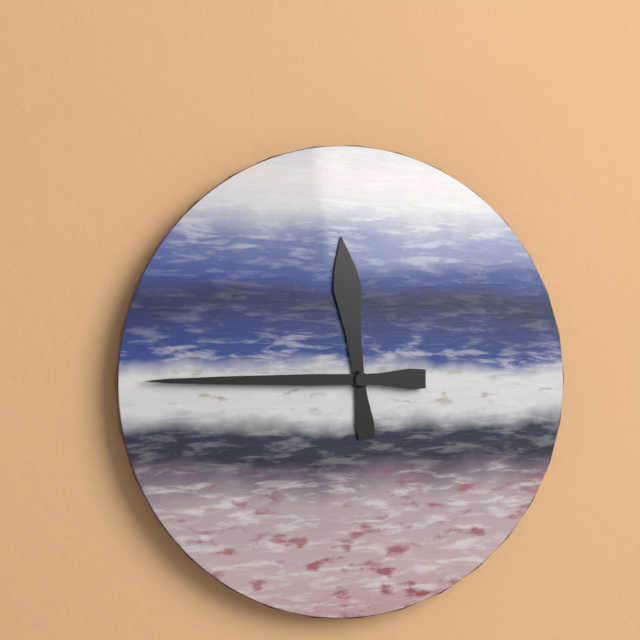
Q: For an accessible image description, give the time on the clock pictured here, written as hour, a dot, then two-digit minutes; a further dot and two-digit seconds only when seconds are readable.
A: 11.45
